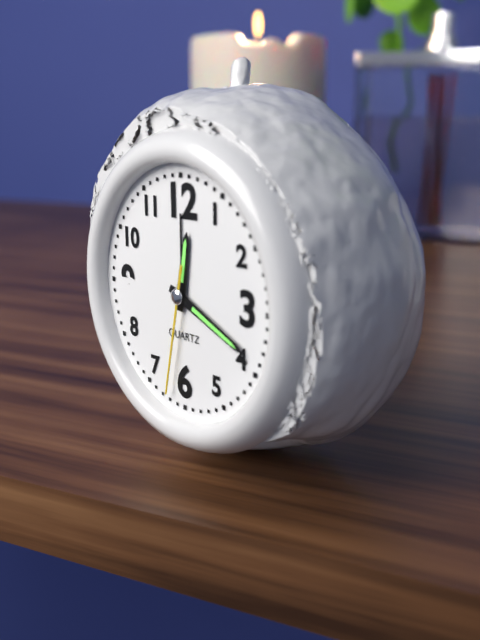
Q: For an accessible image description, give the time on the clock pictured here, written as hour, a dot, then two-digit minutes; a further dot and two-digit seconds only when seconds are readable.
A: 12.19.32
